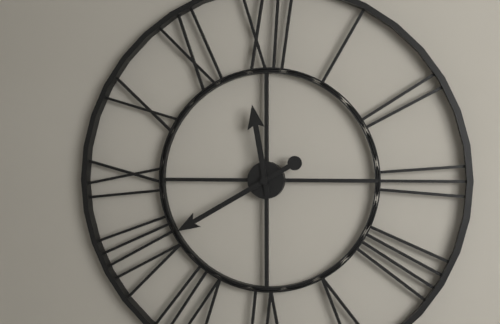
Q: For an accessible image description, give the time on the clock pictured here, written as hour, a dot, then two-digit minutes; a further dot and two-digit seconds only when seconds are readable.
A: 11.40
